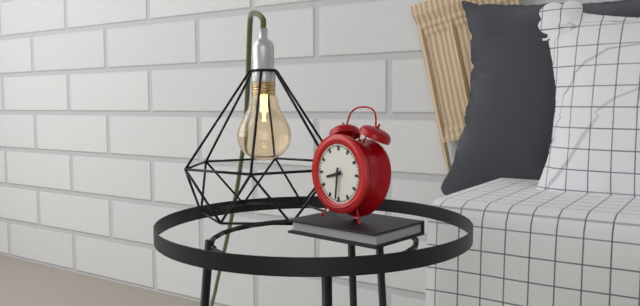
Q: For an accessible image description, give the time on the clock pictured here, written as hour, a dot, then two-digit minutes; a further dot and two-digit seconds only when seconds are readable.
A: 8.31
